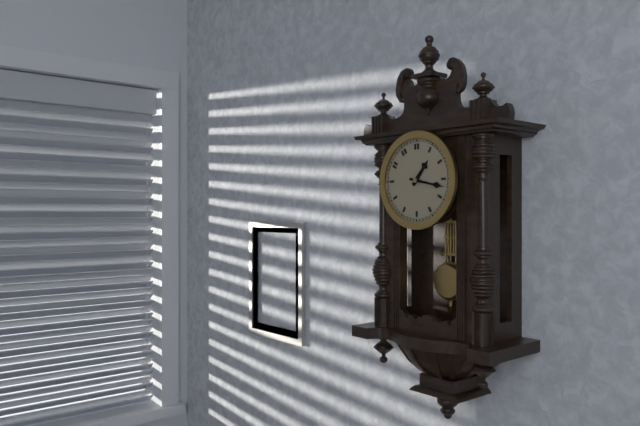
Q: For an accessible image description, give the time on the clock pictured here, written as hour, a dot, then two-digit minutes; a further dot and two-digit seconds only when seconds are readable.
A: 1.17
